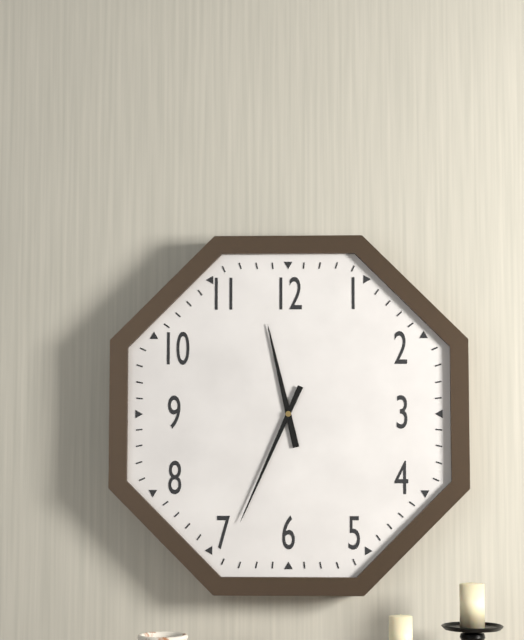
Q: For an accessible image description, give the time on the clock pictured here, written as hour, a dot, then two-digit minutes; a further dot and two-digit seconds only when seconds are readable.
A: 11.34
